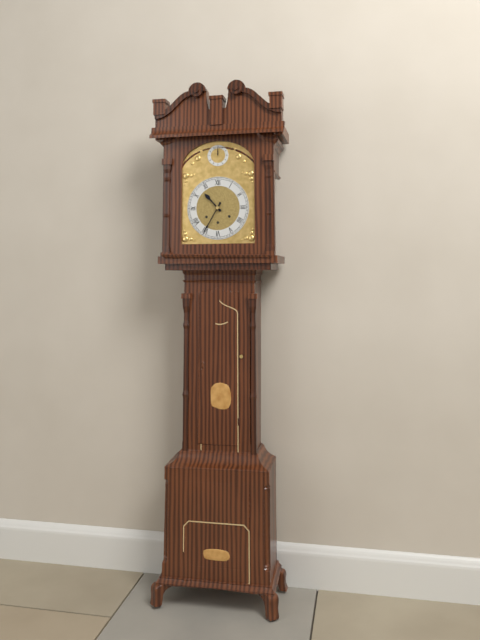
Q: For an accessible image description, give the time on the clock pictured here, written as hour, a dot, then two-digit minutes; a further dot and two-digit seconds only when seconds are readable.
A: 10.35
